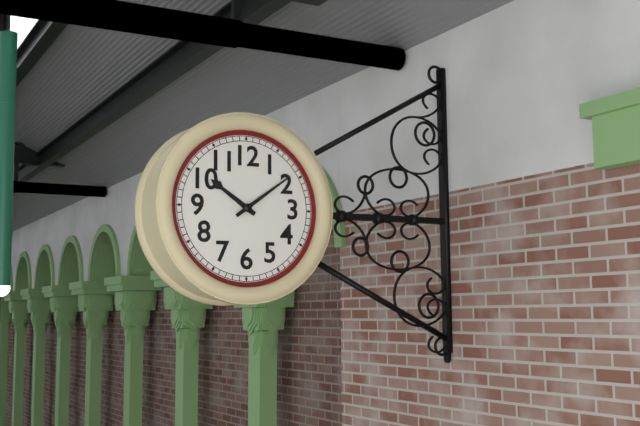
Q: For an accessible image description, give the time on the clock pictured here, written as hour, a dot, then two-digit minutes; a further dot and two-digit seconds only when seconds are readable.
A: 10.09
